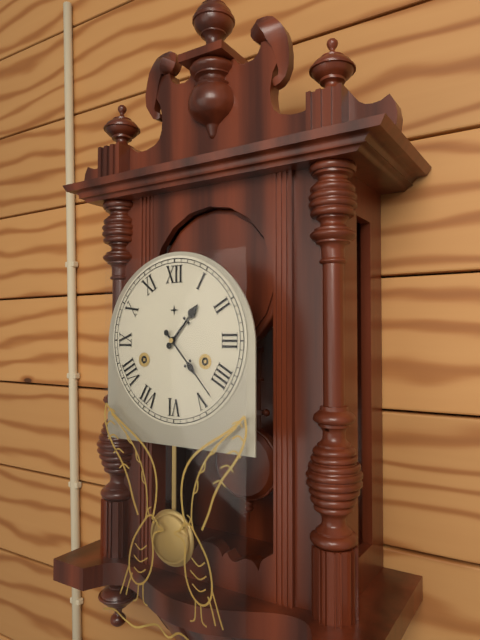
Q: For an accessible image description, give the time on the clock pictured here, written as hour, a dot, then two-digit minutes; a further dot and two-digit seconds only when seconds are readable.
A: 1.23
